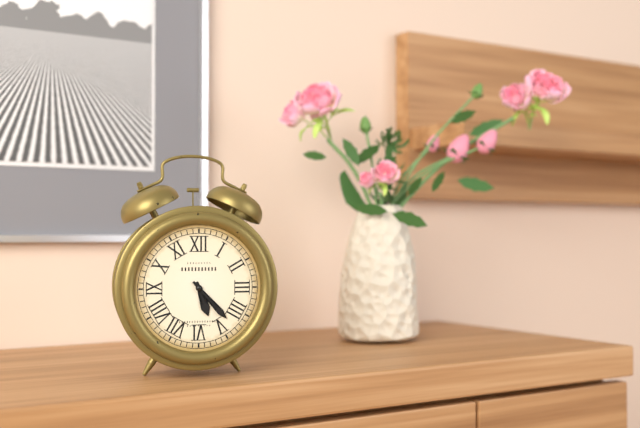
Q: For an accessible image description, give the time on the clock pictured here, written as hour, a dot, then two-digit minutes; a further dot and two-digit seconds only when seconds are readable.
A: 5.23
